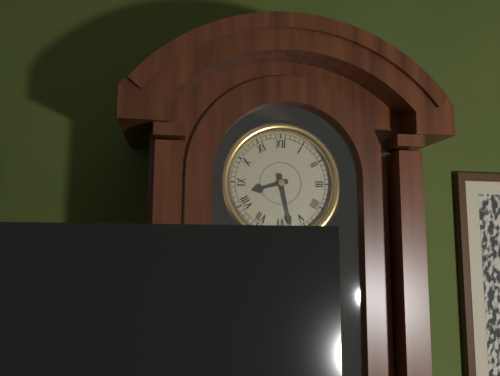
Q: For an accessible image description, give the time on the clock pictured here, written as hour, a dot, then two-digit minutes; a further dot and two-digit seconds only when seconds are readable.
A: 8.28
